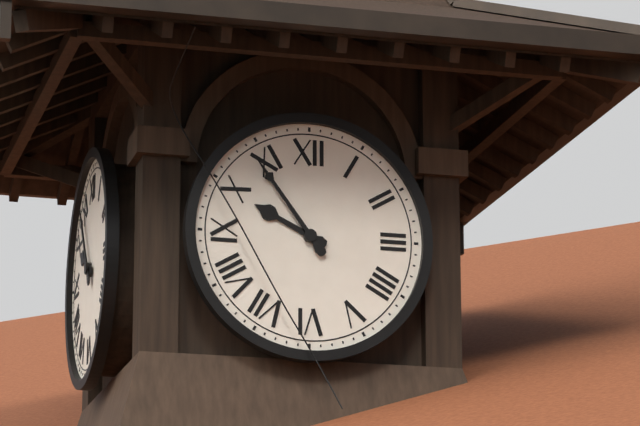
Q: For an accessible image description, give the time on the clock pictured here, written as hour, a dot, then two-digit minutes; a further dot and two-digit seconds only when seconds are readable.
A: 9.54
